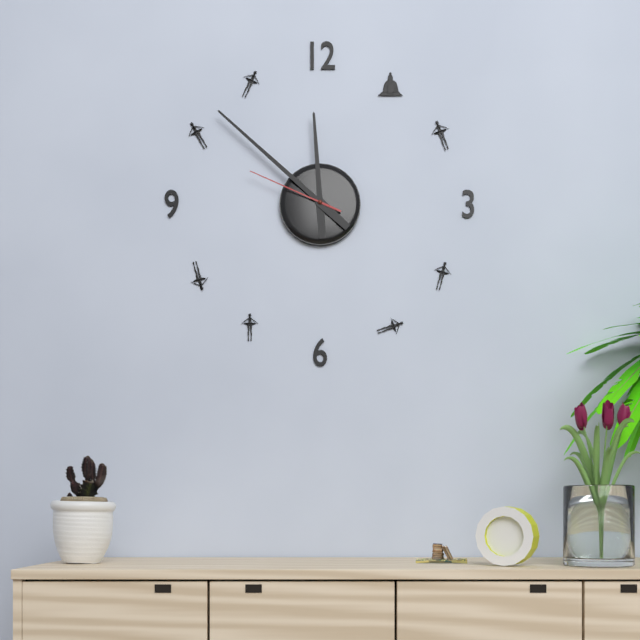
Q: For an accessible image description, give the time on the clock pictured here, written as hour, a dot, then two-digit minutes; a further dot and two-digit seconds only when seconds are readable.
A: 11.52.49
